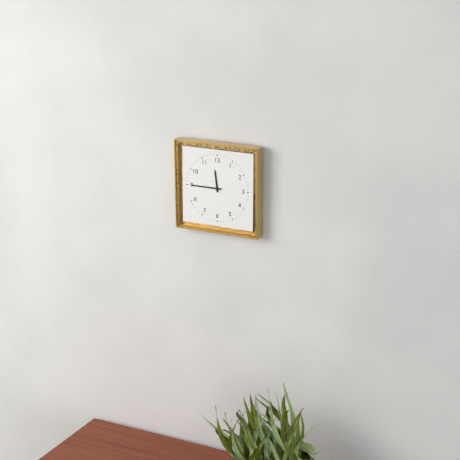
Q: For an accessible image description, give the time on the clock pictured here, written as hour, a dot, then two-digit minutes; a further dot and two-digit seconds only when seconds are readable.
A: 11.45
